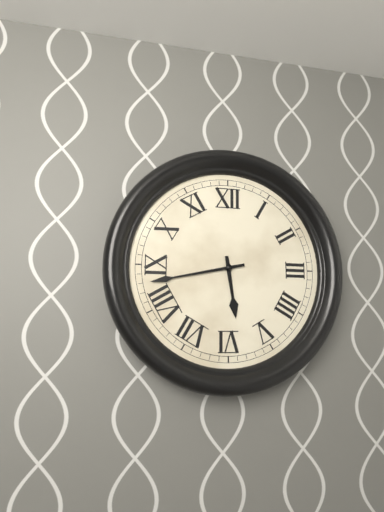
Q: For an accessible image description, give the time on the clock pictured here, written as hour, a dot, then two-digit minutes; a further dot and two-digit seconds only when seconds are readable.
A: 5.43
